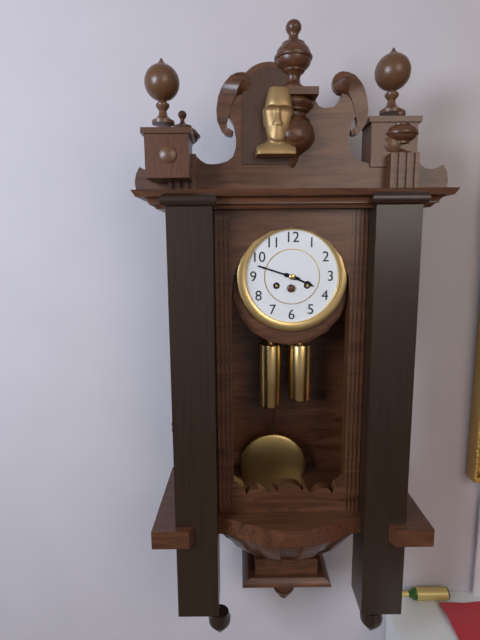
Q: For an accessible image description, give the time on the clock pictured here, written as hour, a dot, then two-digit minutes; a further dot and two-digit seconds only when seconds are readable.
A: 3.48
